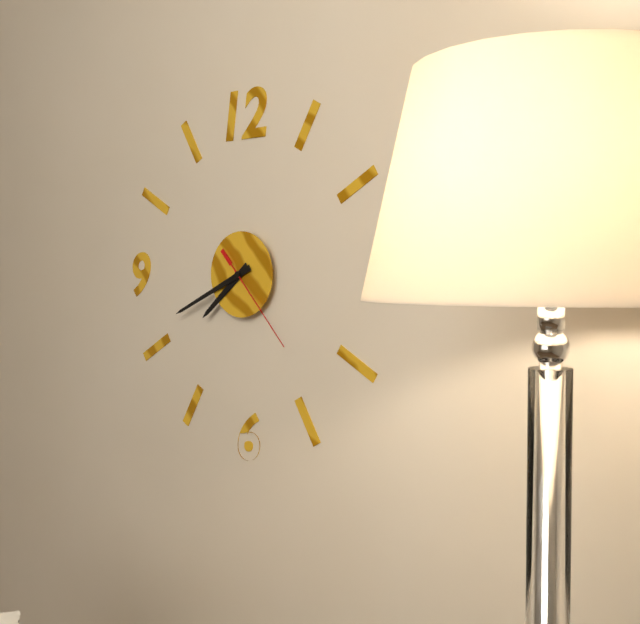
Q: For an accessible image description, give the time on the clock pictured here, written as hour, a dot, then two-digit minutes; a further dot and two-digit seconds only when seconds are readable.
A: 7.41.23
